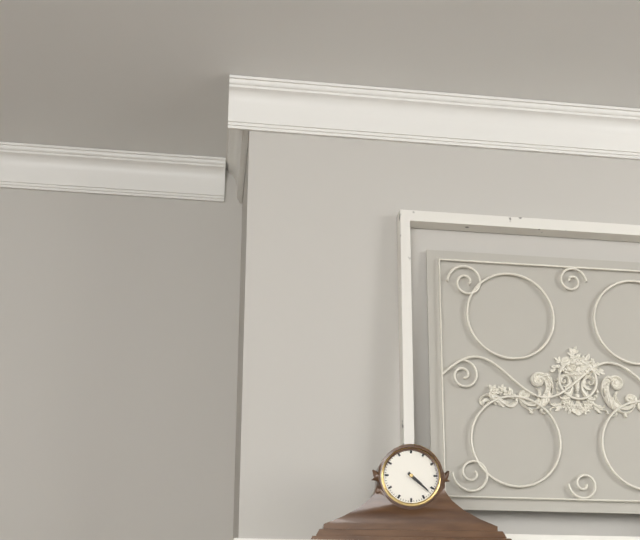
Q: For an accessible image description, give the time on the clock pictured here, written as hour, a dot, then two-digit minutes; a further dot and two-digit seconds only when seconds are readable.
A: 4.22
